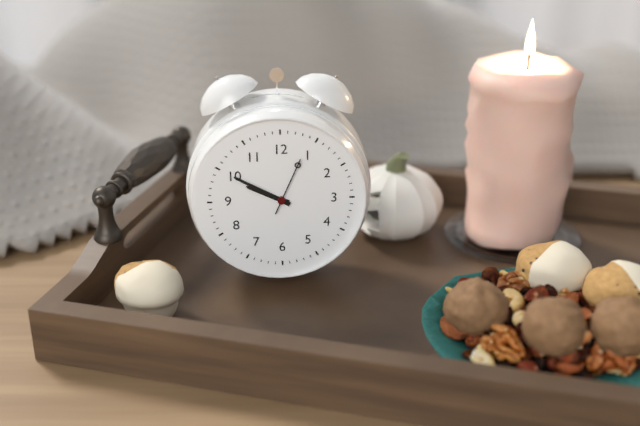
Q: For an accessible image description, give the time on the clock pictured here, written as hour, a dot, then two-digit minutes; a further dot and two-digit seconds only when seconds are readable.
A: 9.50.04
